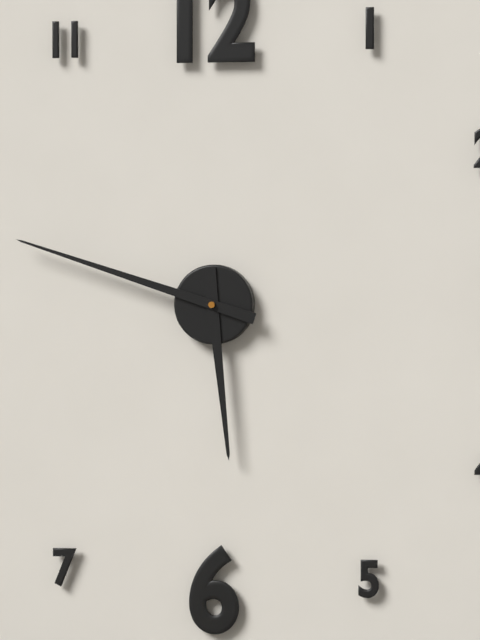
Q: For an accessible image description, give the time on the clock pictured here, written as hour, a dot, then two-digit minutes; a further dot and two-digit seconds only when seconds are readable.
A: 5.48
